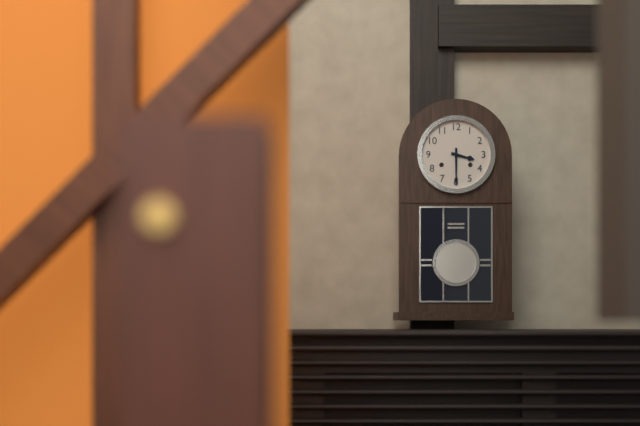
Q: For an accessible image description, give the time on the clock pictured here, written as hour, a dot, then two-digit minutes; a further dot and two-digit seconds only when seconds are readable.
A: 3.30
